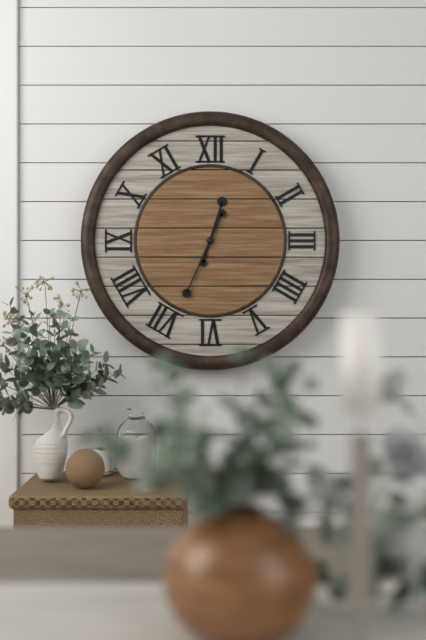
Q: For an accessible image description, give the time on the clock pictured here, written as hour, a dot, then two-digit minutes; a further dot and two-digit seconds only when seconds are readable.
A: 12.34
